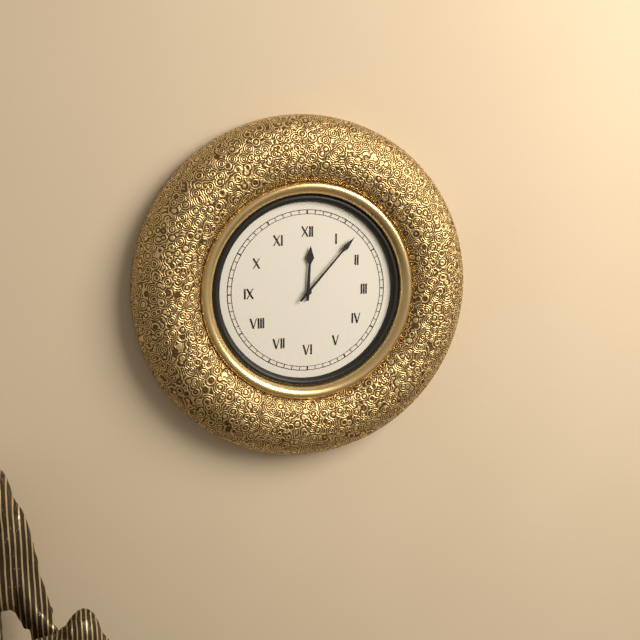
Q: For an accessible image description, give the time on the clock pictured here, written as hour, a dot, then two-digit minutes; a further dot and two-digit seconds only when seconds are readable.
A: 12.07
